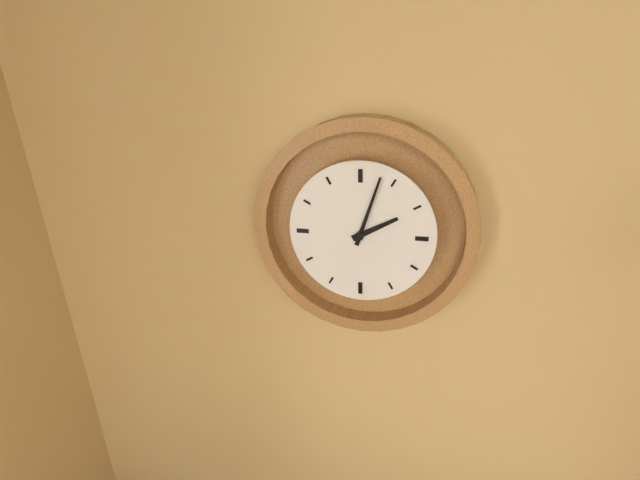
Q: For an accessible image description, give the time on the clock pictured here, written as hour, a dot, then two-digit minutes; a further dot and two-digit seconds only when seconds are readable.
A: 2.03
